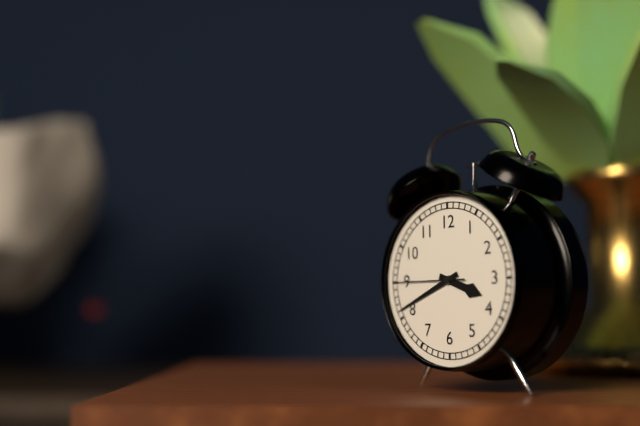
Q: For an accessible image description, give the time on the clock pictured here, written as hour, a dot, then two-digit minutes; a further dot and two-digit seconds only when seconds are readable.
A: 3.41.45
